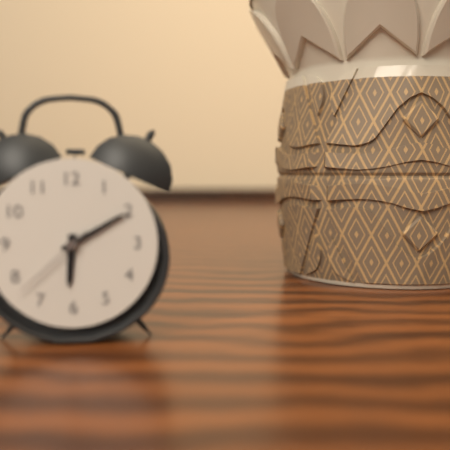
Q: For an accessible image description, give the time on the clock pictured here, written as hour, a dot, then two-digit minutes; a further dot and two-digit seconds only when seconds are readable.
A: 6.10.38
